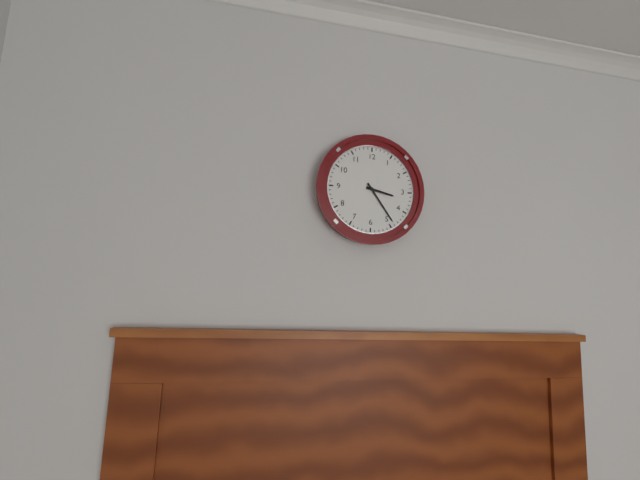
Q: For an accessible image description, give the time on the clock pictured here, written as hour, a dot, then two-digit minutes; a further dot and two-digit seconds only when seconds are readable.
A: 3.24
